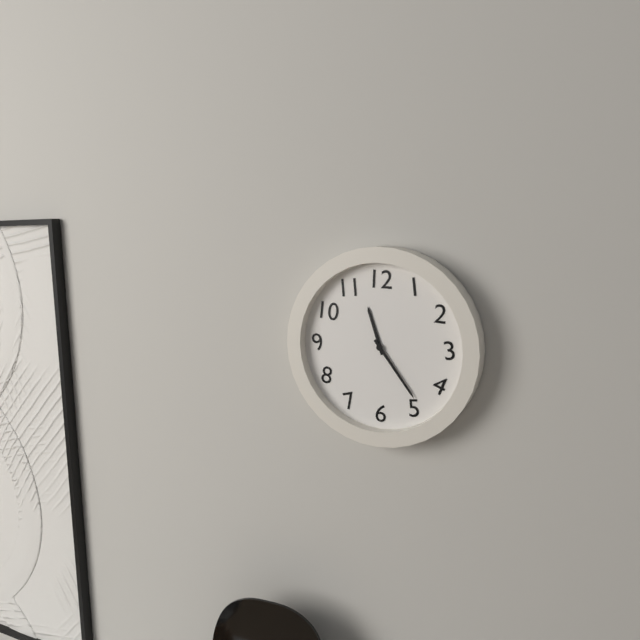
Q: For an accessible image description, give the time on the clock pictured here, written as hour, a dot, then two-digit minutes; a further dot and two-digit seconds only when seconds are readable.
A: 11.24
